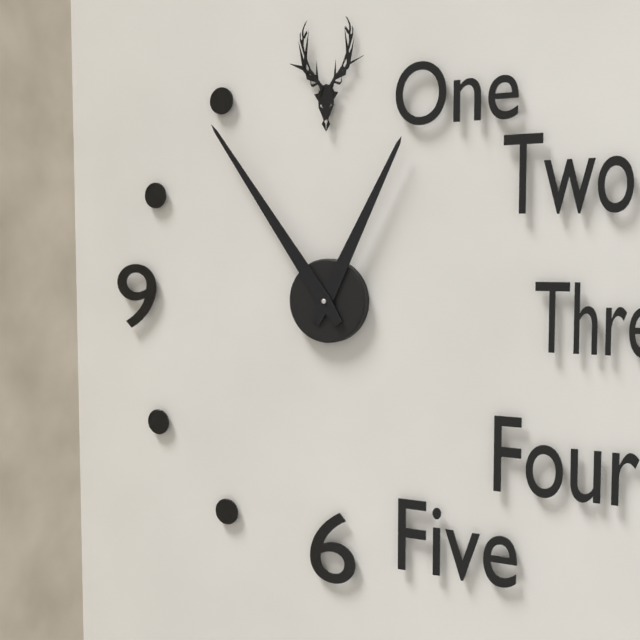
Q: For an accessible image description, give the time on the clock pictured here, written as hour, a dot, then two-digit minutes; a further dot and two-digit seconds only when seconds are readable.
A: 12.54
